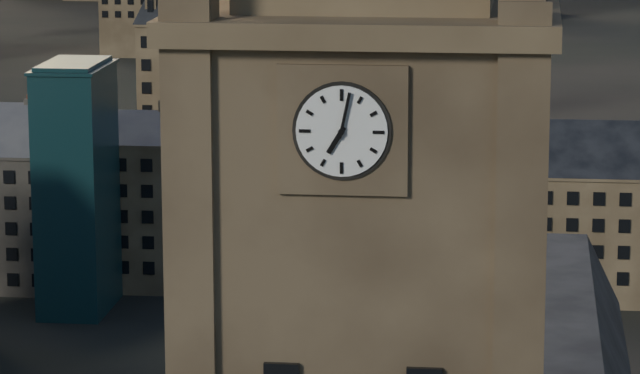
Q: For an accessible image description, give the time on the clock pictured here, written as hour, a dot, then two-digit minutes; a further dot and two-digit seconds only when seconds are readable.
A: 7.02
